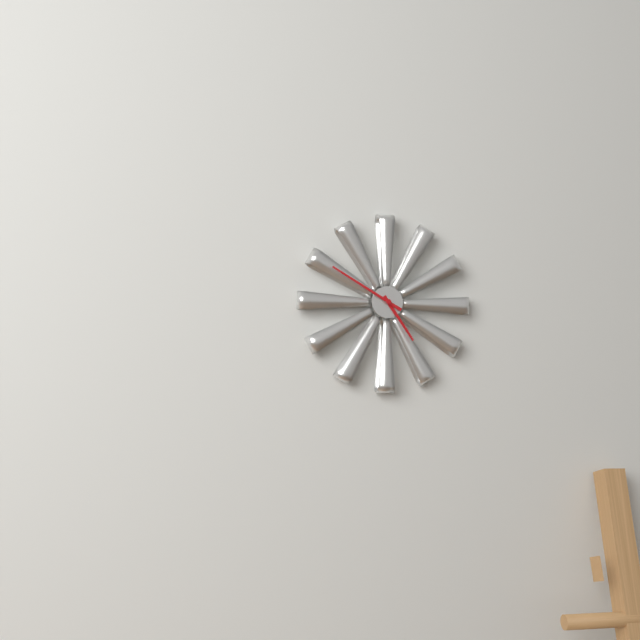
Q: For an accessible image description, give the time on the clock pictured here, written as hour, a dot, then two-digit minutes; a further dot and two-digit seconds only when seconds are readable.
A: 4.50
